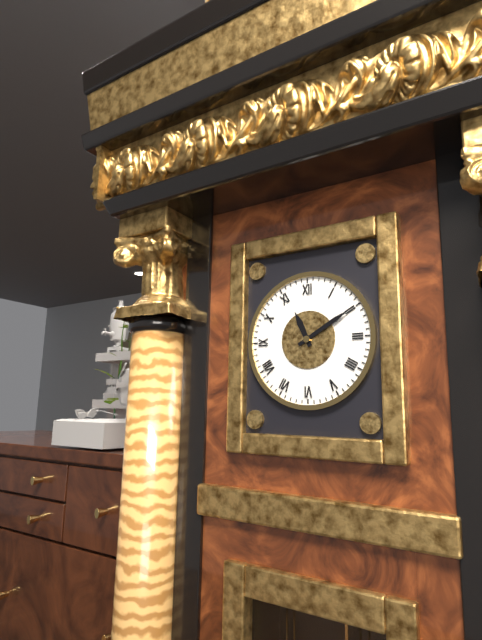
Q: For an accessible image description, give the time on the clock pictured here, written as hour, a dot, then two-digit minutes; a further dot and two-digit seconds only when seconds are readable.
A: 11.10
